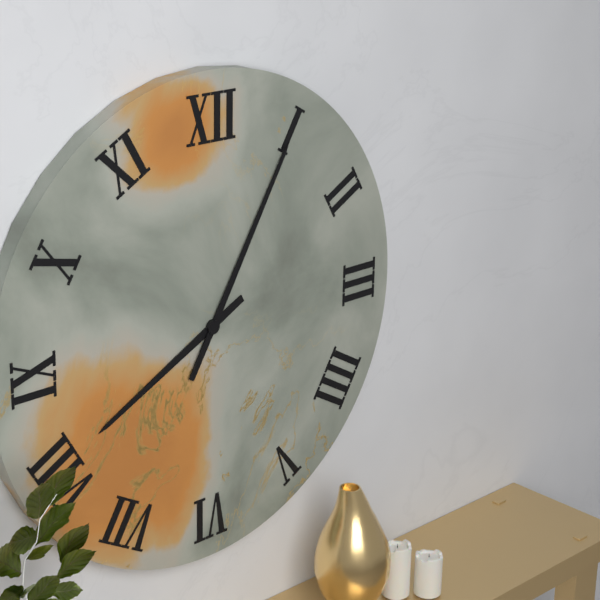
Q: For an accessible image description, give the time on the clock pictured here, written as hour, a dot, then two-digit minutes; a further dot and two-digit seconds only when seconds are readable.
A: 8.05
